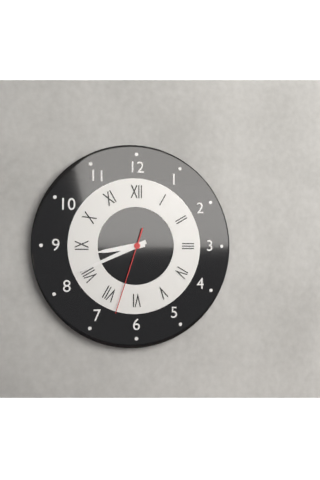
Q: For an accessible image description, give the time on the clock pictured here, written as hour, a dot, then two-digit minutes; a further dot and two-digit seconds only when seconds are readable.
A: 8.41.33
